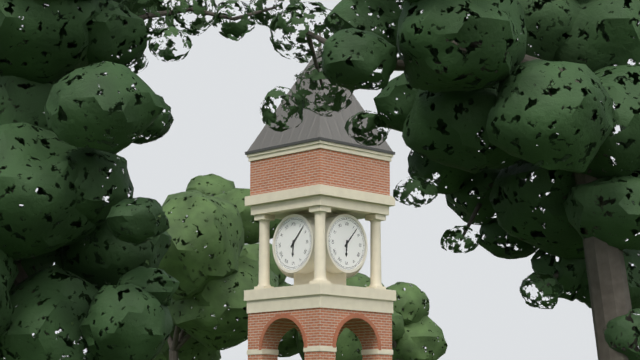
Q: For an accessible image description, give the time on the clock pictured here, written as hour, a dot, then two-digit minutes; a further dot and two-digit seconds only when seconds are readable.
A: 6.07
